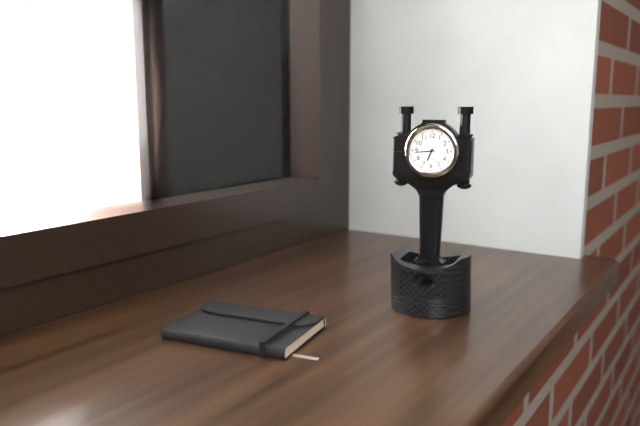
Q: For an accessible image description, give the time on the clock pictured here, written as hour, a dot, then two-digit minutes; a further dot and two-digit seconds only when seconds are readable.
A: 6.44
